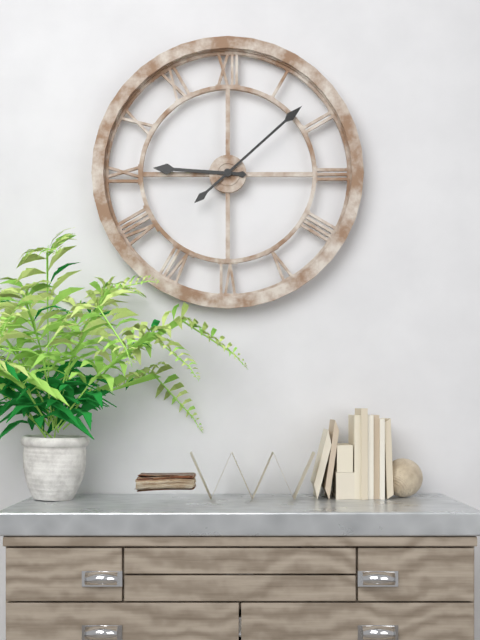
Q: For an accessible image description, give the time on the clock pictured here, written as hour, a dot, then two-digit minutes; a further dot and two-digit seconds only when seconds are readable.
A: 9.08
